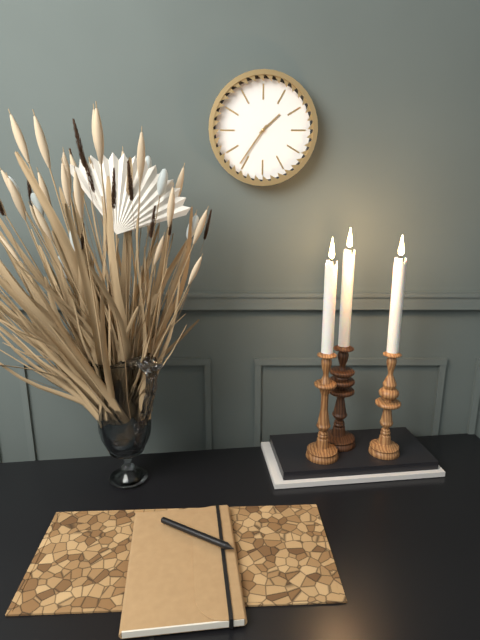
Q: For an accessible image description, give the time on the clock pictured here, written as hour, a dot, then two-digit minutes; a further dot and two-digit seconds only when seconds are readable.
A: 1.36
